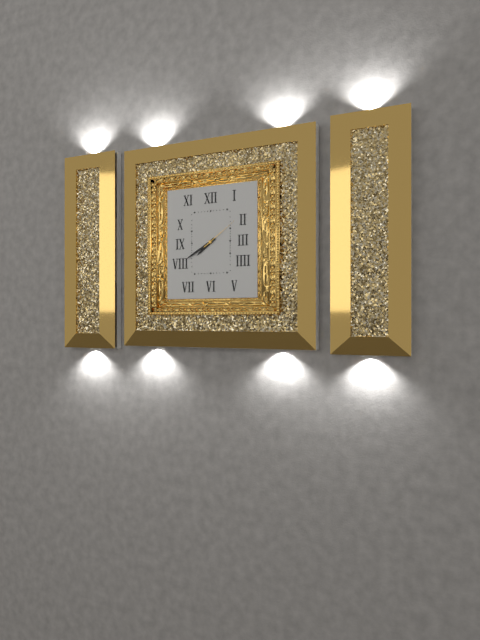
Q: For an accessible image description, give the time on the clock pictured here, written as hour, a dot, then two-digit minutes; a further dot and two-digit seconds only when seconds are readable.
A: 7.40
